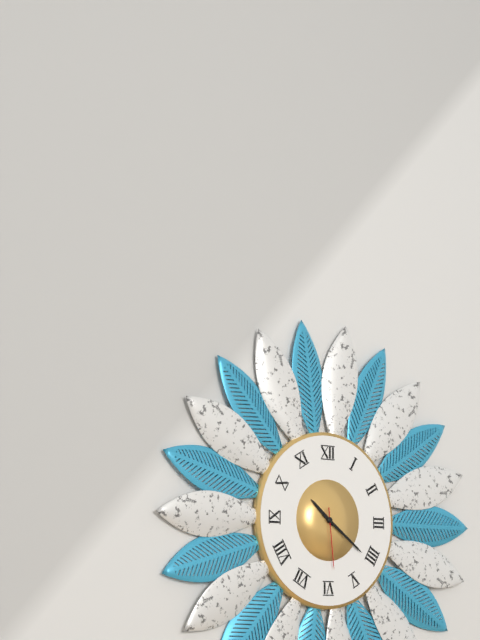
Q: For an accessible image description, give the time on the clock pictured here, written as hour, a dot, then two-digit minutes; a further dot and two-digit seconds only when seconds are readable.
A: 10.21.29
